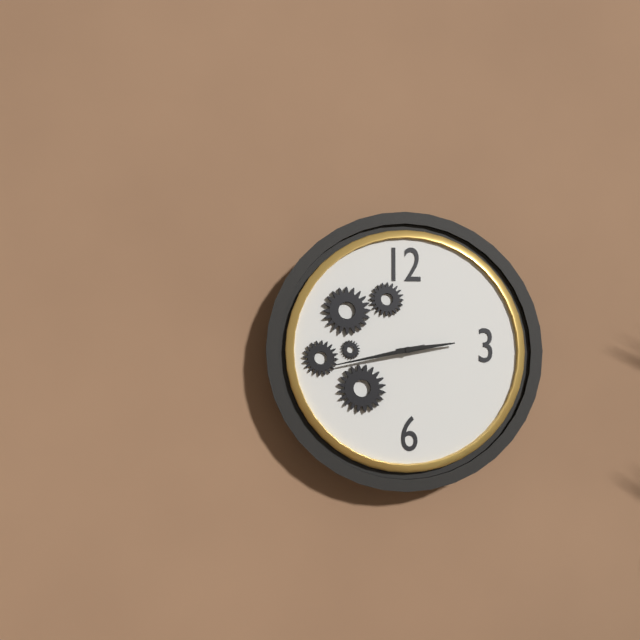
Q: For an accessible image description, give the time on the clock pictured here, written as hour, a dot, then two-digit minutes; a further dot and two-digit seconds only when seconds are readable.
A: 2.43
